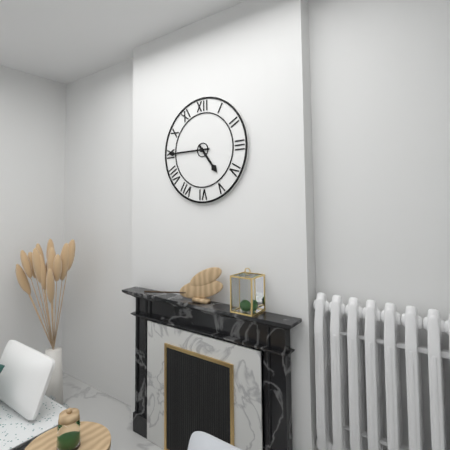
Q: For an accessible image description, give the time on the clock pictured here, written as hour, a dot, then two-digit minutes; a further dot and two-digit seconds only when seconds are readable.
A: 4.45
